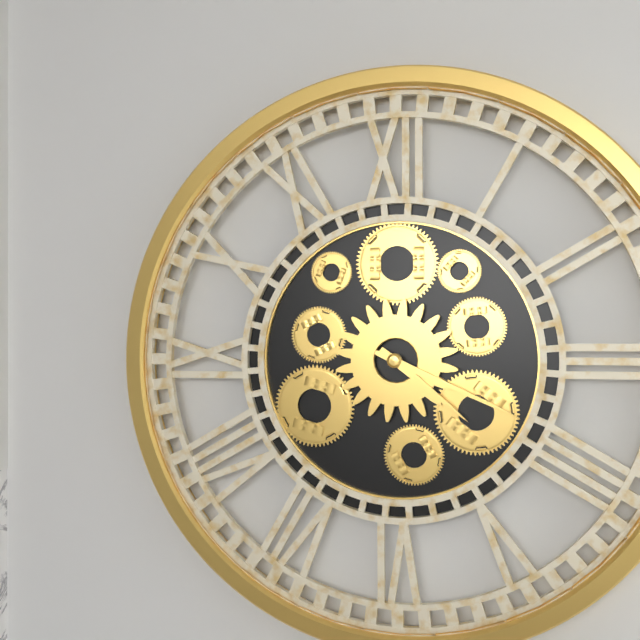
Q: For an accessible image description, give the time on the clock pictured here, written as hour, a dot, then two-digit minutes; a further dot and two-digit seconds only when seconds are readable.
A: 4.19
